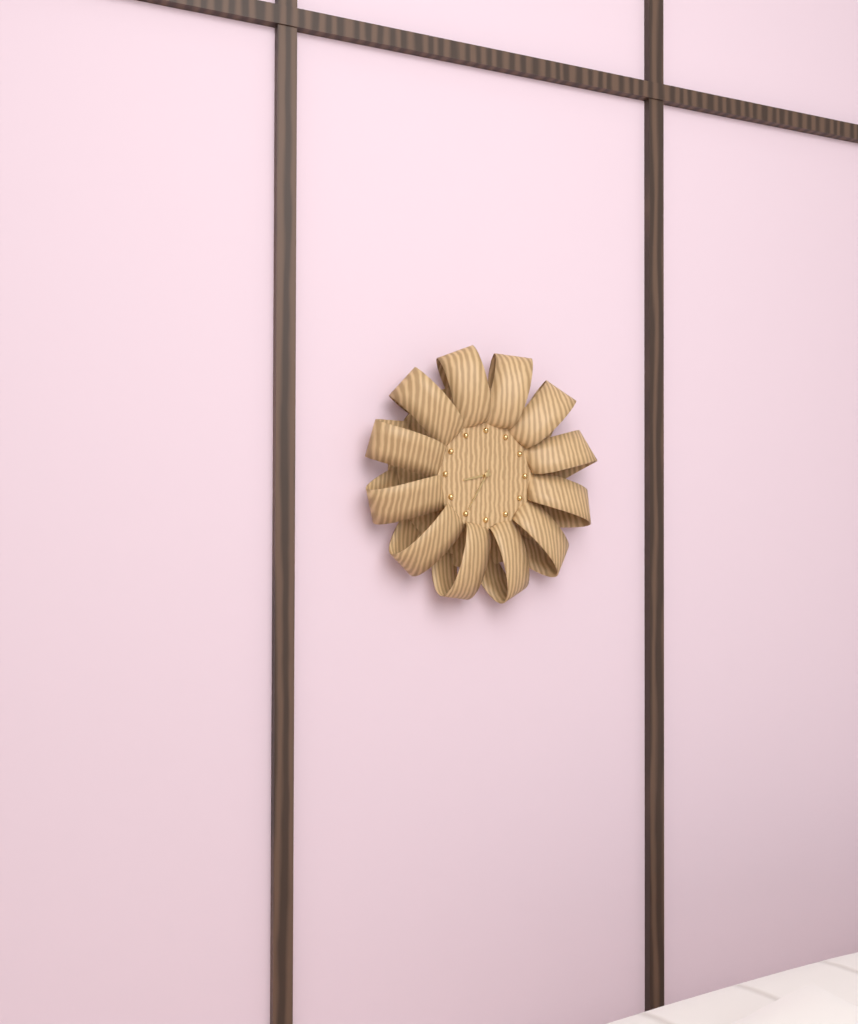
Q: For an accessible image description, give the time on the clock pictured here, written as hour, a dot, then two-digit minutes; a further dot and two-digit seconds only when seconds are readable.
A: 8.35
